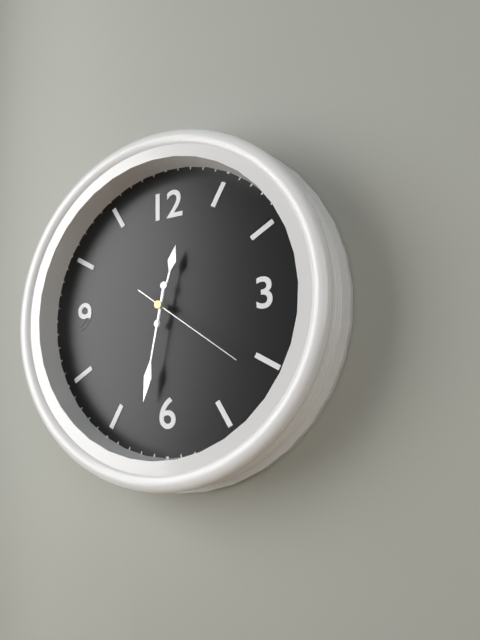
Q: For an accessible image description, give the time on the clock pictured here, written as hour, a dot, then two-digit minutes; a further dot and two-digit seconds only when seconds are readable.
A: 12.32.21
